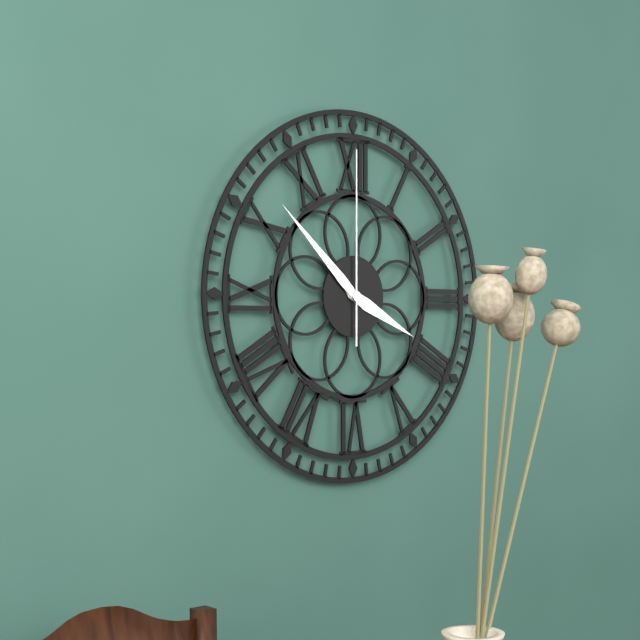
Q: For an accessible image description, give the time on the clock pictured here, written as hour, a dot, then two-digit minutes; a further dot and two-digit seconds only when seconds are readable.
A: 3.52.00
